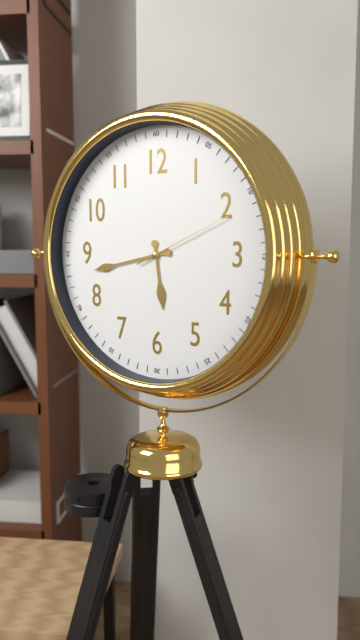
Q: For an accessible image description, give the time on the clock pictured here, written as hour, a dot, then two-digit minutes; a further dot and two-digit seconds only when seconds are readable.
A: 5.43.11
